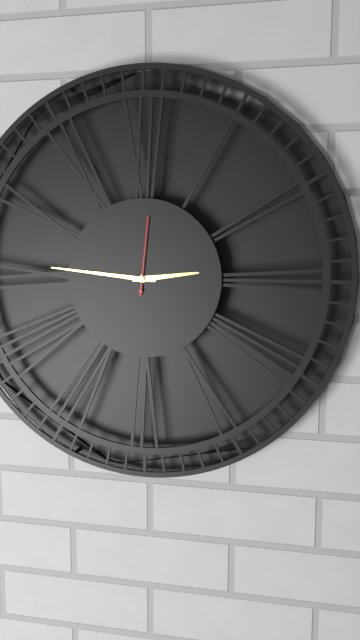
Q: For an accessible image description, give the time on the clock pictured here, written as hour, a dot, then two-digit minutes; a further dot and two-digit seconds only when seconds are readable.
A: 2.46.01
